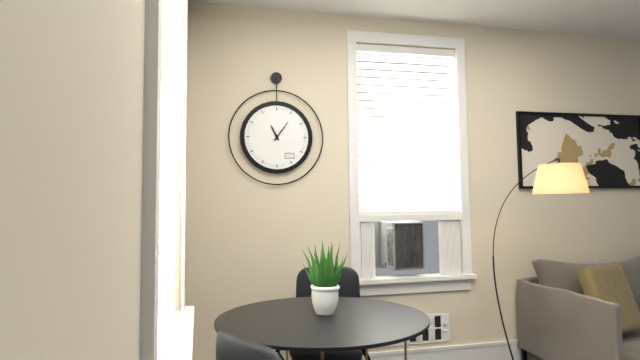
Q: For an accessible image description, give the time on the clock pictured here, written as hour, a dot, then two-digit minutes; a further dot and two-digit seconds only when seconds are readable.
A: 11.06
